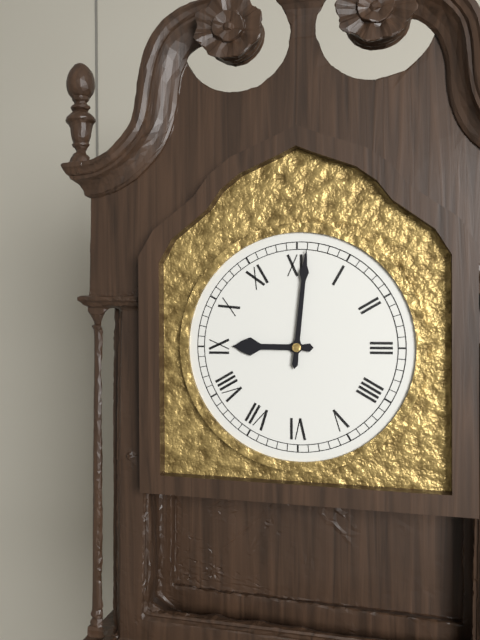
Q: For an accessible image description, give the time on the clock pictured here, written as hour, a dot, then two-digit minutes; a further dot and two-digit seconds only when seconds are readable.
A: 9.01
